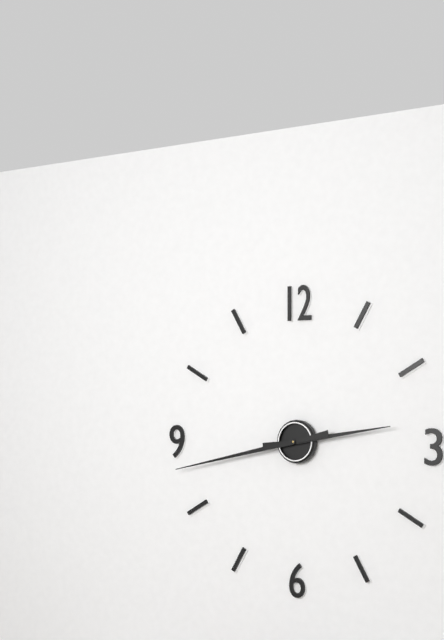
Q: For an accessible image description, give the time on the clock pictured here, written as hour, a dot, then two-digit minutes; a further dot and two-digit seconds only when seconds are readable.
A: 2.43
